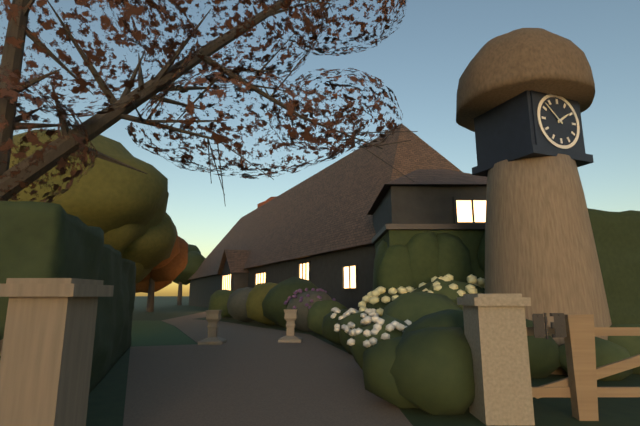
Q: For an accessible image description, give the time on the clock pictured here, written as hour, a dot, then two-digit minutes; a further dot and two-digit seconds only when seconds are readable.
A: 1.52
